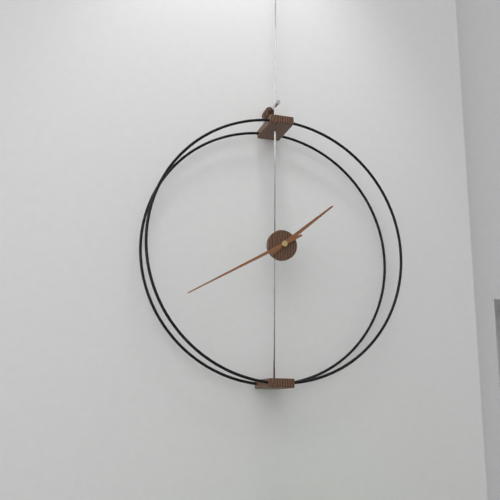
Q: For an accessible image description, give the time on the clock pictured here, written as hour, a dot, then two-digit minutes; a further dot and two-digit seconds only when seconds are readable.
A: 1.40
